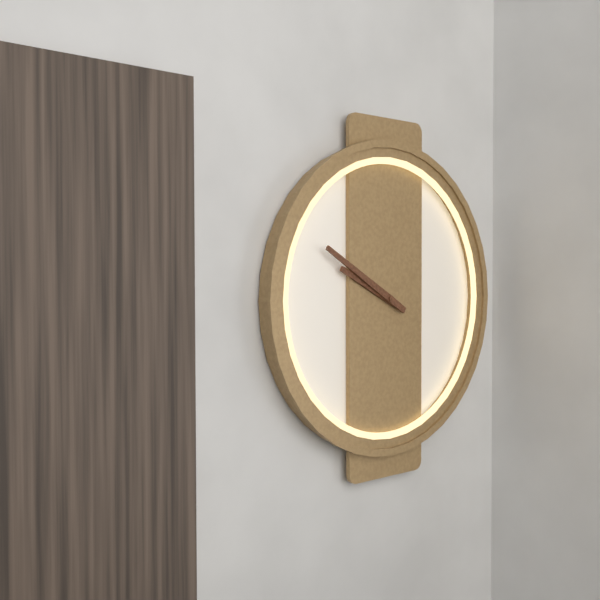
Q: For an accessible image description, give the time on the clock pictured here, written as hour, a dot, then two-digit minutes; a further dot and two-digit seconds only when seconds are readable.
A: 9.50
